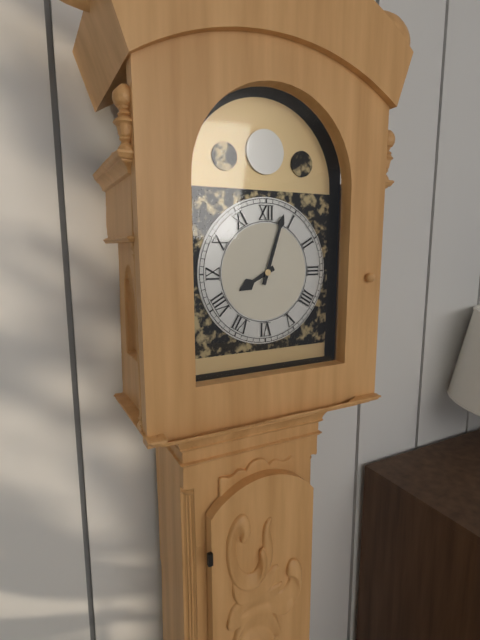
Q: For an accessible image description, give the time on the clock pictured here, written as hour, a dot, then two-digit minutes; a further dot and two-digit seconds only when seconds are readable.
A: 8.03
